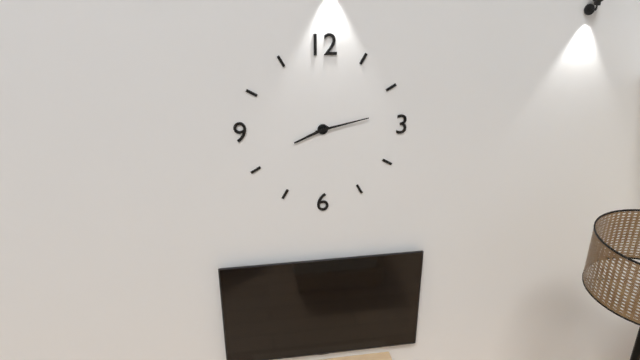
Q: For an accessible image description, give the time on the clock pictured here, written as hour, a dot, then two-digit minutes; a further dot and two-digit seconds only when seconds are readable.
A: 8.13
